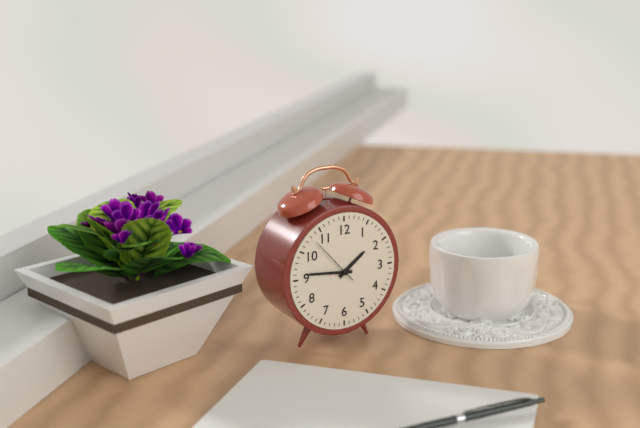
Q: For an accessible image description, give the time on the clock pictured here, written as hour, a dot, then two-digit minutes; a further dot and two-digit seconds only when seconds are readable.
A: 1.46.53
